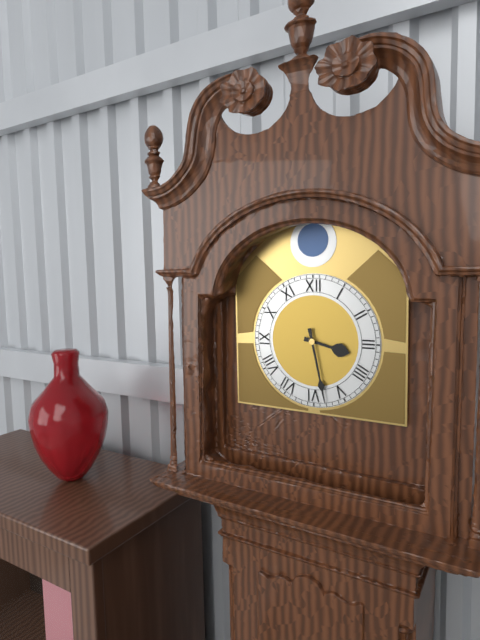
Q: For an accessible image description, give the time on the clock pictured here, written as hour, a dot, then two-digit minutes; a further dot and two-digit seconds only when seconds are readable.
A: 3.28
